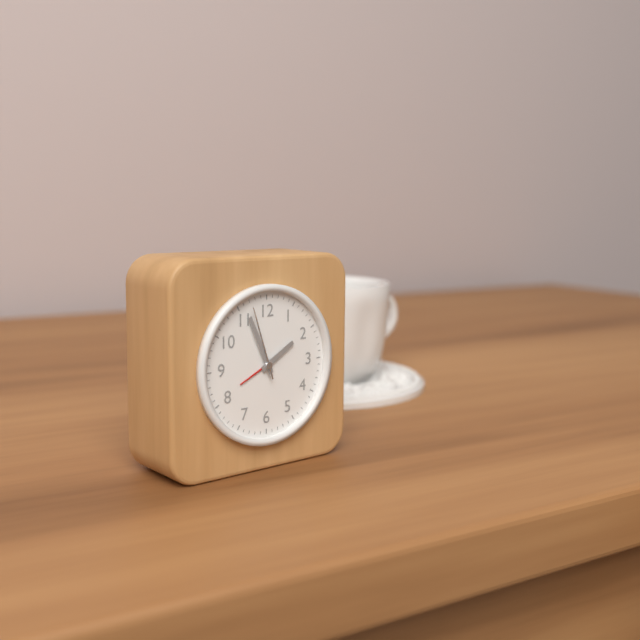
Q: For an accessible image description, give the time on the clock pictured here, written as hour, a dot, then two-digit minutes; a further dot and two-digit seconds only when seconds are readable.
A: 1.56.57
